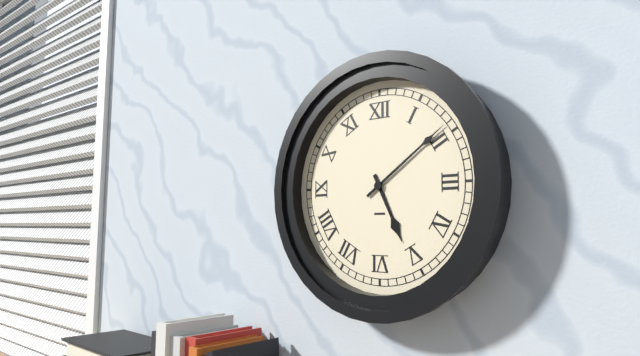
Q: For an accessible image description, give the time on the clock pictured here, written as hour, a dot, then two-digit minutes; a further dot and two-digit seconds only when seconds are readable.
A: 5.09
